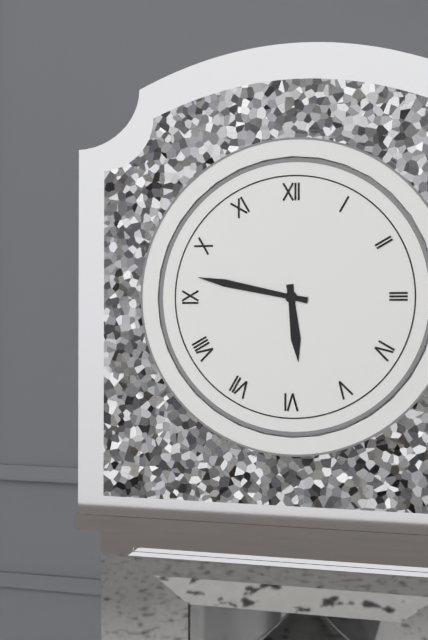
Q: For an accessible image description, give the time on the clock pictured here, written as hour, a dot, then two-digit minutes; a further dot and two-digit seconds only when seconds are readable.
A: 5.47
